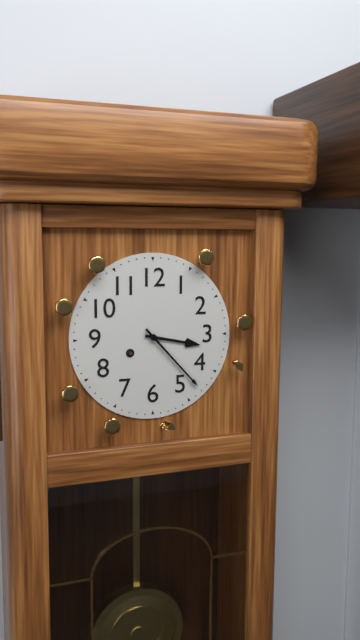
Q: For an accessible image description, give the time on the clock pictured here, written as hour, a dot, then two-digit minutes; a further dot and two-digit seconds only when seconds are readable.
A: 3.23
